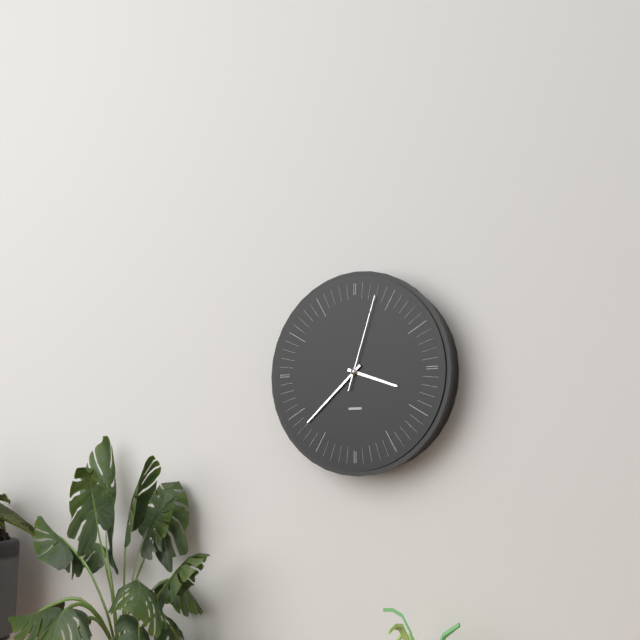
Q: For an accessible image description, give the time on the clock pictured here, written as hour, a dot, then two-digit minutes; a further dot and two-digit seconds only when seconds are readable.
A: 3.38.03
